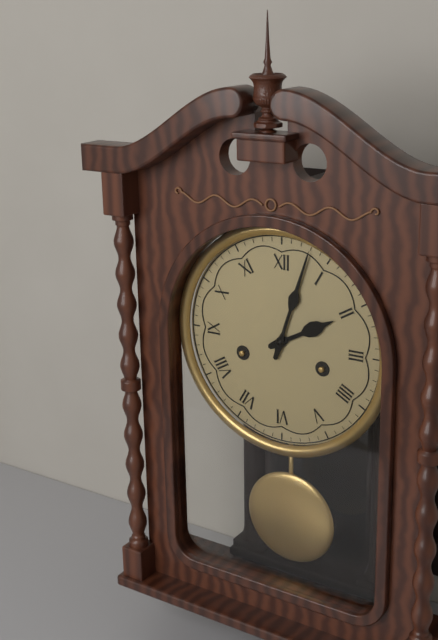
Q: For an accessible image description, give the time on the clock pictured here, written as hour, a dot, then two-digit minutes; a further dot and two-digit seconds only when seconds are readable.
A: 2.03
